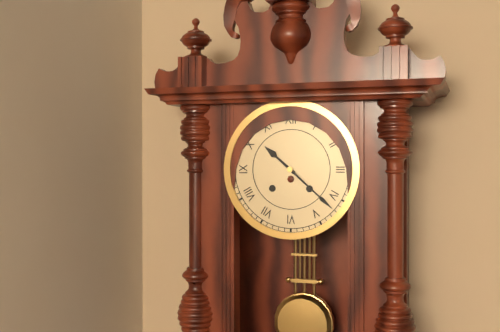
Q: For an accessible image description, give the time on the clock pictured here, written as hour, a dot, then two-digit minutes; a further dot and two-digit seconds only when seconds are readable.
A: 10.22
